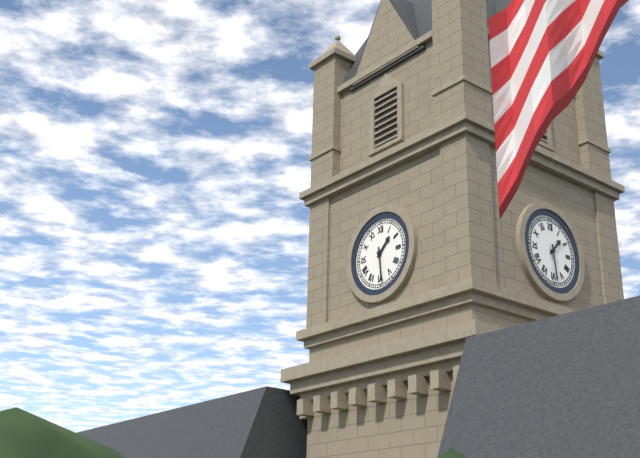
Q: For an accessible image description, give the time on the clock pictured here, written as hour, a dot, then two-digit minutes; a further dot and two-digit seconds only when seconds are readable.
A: 1.29
